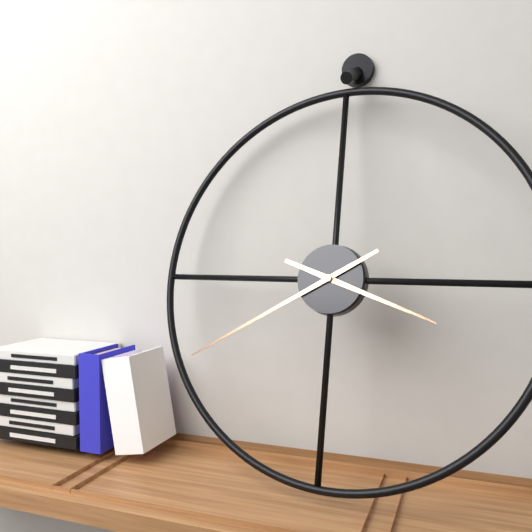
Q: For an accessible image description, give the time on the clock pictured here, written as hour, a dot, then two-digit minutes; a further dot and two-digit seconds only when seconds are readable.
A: 3.40
